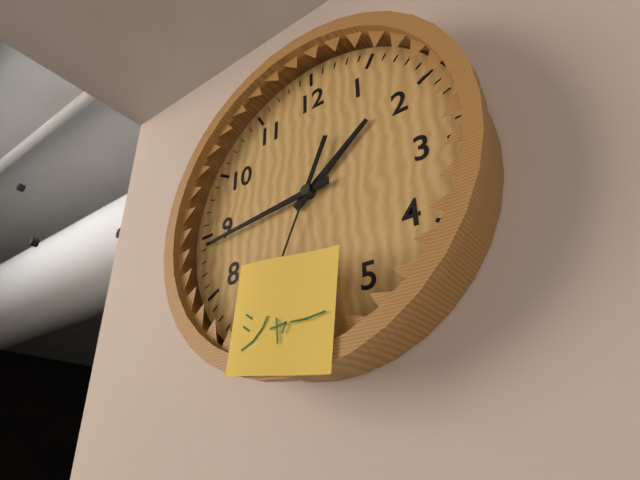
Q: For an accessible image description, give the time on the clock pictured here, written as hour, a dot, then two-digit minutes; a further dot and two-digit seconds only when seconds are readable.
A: 1.44
